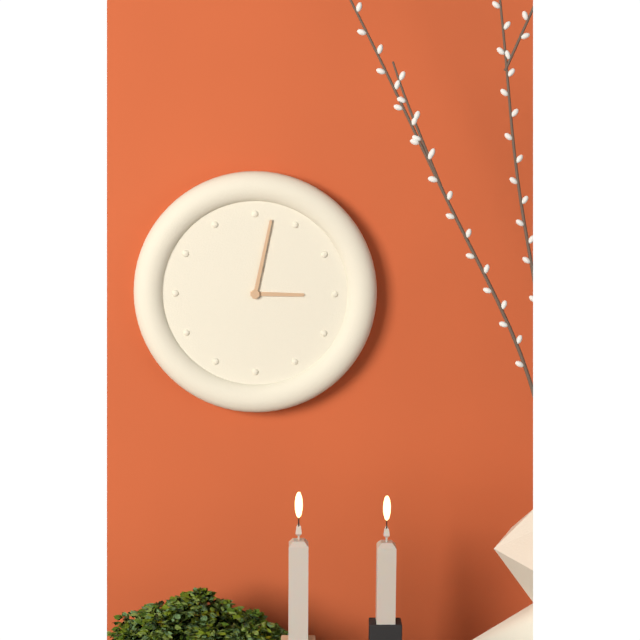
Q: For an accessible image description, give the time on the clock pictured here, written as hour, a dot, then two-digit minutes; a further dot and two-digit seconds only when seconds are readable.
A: 3.02
